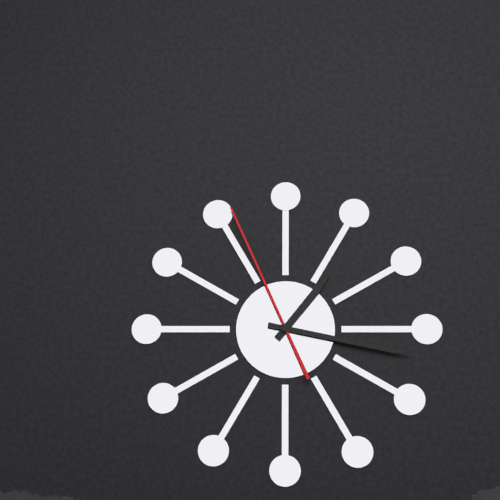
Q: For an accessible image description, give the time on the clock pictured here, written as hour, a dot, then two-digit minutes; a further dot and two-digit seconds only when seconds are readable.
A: 1.17.56
